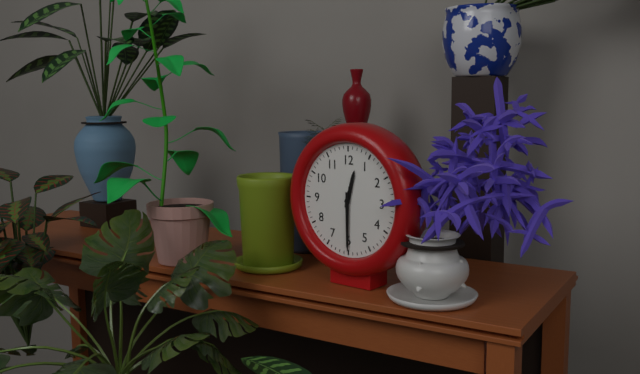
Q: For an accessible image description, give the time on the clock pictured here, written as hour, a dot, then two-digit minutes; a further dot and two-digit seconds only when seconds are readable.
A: 12.30
